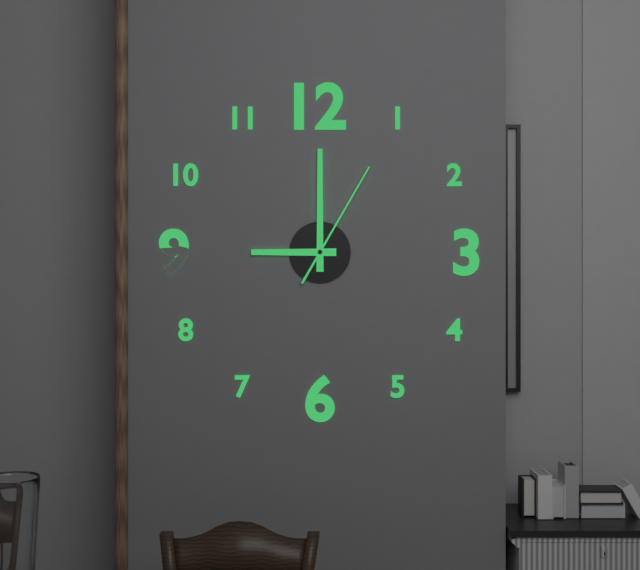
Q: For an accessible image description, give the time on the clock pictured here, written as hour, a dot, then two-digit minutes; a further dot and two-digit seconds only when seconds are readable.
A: 9.00.05
